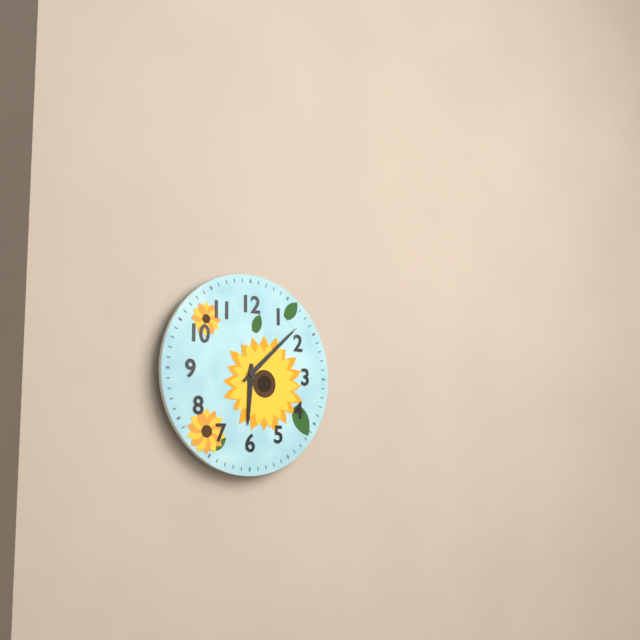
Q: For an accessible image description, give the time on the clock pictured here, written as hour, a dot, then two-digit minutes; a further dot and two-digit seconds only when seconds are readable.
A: 6.08
